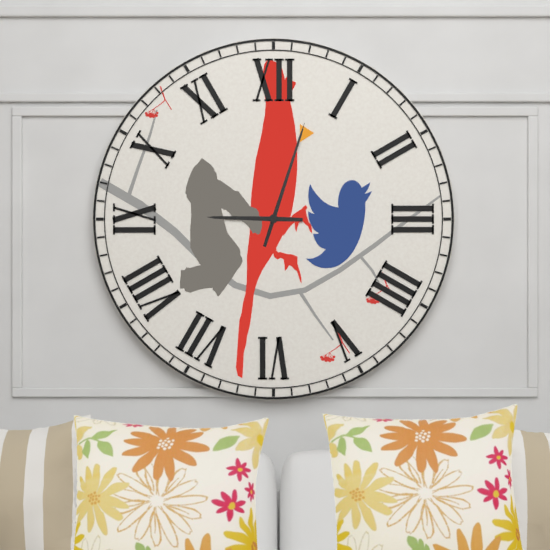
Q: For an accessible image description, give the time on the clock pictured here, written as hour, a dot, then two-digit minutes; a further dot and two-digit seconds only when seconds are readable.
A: 9.03
